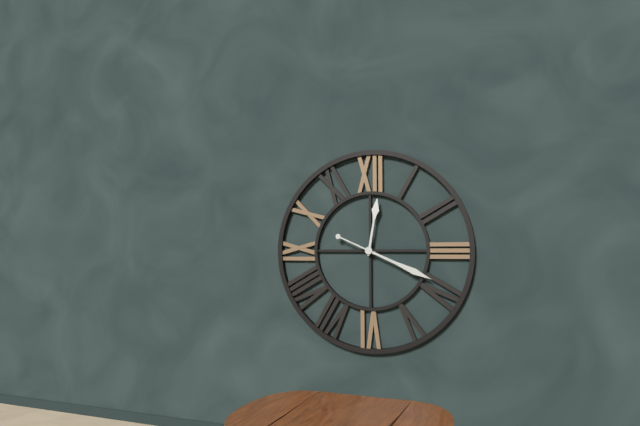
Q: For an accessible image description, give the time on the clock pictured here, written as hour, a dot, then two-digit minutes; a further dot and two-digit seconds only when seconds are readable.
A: 12.19
